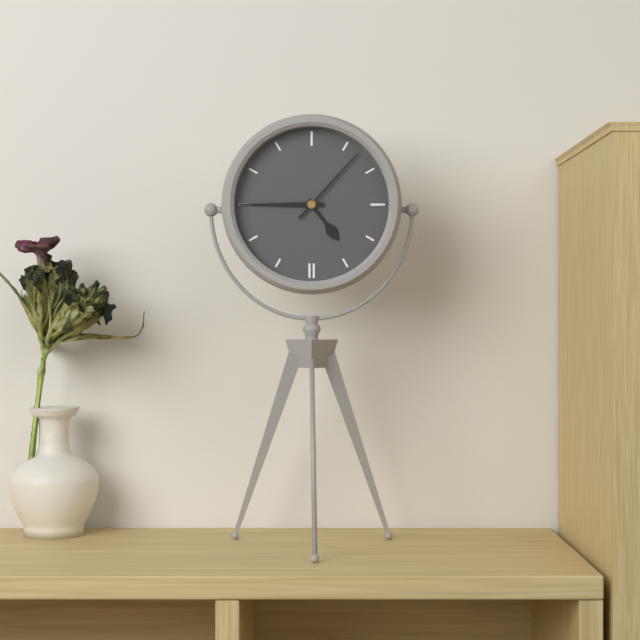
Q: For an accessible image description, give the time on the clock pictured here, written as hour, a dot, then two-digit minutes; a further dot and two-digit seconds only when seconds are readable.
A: 4.45.07
